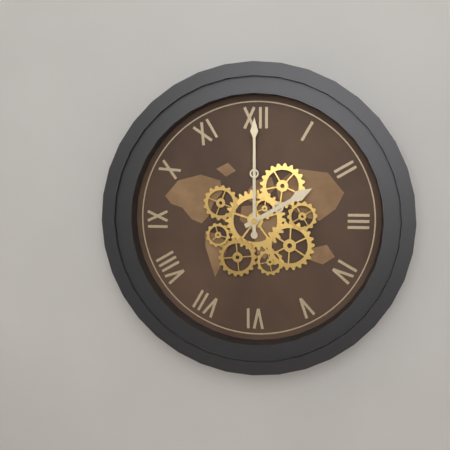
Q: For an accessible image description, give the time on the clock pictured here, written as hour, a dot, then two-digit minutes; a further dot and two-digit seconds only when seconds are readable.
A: 2.00
